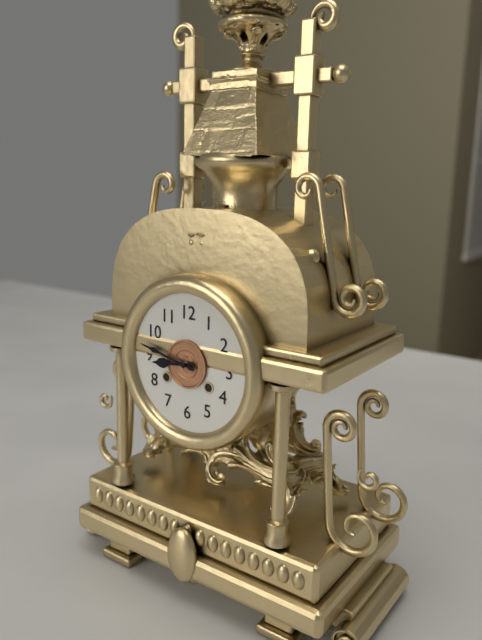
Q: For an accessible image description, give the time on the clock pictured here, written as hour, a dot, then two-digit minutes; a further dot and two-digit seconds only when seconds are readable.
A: 8.47
